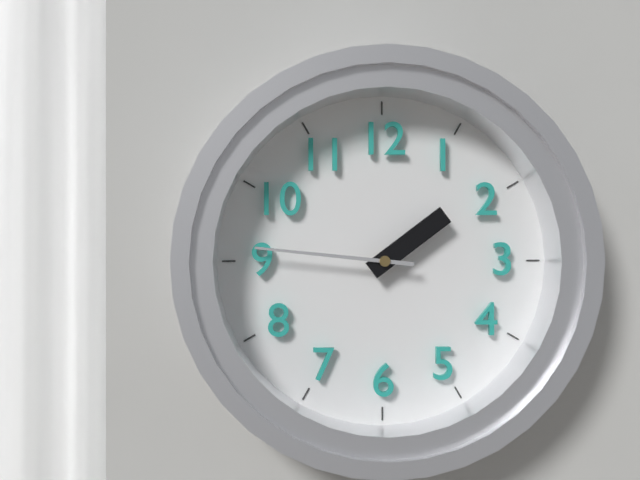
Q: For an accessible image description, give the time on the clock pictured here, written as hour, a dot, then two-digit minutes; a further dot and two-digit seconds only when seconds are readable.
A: 1.46
